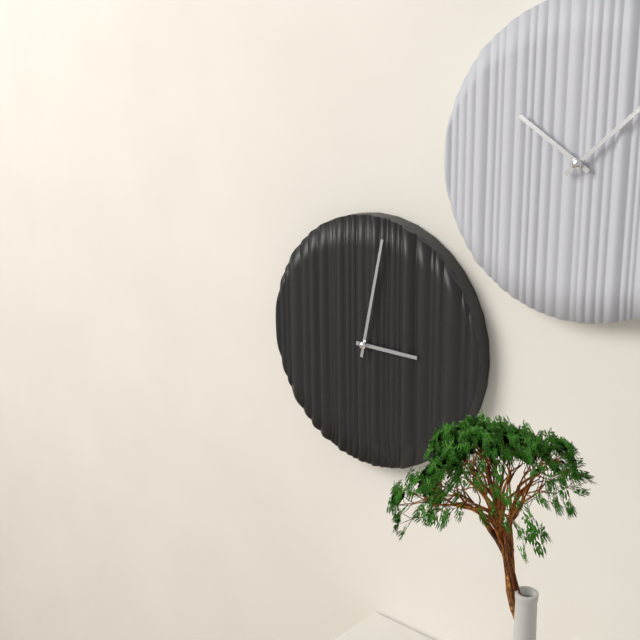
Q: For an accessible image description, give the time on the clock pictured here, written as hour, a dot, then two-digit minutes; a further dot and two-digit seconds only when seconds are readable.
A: 3.02
